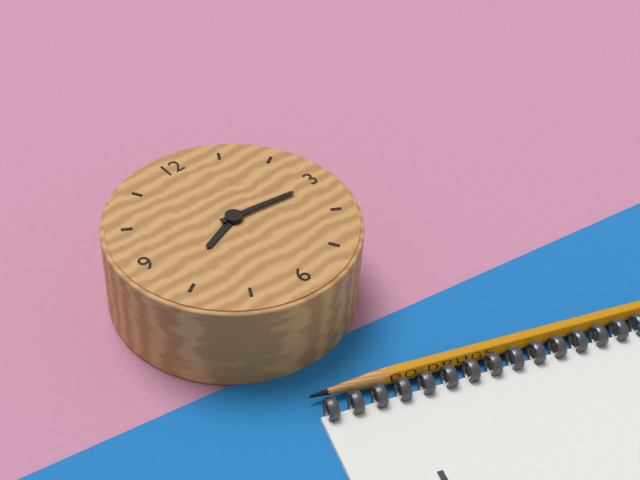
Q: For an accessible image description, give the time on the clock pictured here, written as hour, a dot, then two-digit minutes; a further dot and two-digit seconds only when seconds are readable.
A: 8.16
